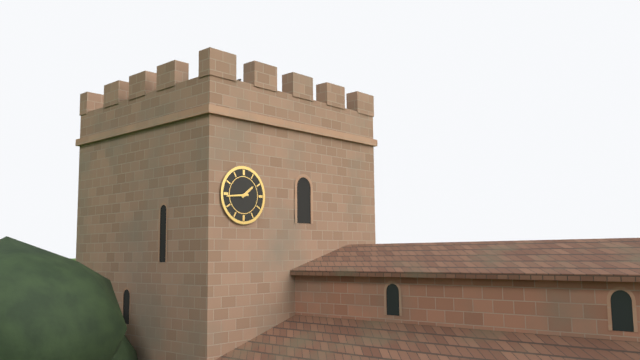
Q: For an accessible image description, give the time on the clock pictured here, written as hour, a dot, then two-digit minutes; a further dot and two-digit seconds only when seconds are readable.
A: 1.44
